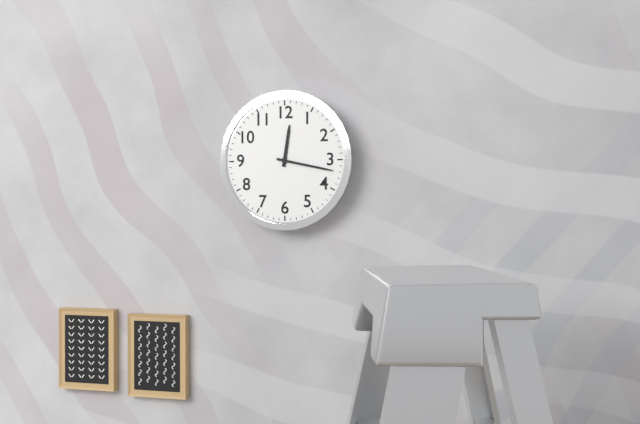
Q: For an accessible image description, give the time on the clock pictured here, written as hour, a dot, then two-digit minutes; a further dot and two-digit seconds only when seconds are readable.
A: 12.17
